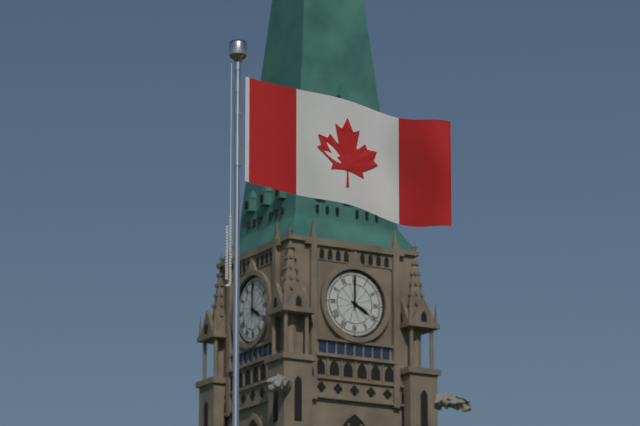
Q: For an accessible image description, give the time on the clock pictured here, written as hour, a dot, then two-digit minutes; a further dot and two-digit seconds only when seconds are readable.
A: 4.00
